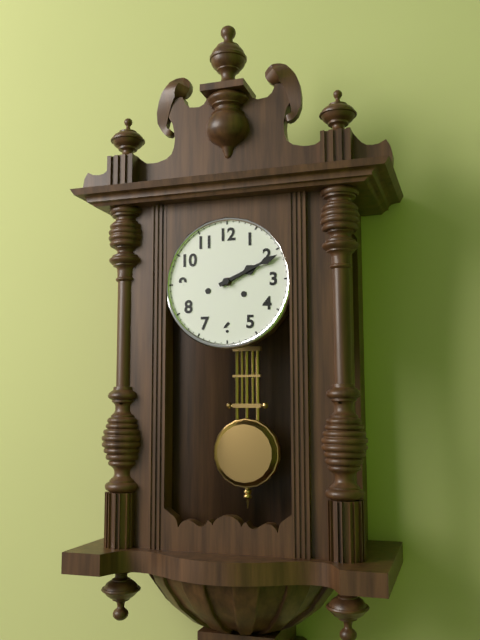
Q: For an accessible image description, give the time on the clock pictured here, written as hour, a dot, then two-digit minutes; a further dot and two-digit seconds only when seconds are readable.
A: 2.11
